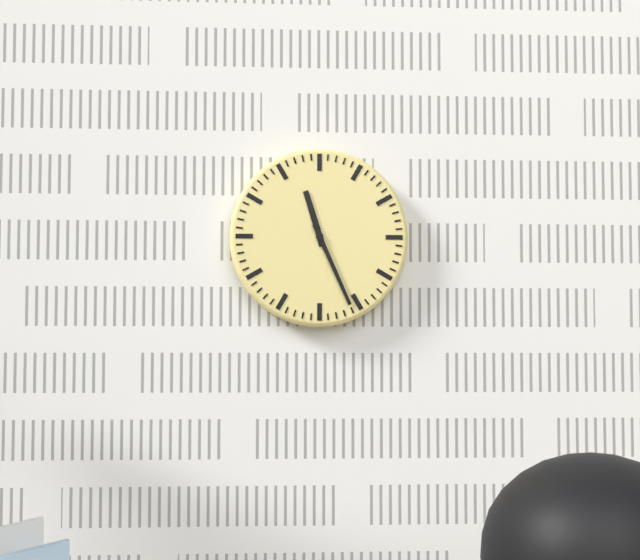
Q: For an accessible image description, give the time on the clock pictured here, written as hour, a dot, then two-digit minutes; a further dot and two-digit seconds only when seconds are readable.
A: 11.26
